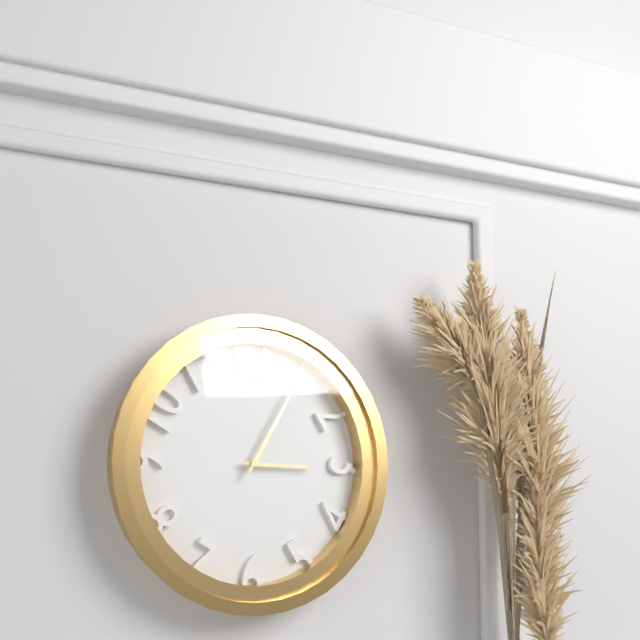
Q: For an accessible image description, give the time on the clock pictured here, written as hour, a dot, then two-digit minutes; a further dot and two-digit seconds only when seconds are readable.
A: 3.05
